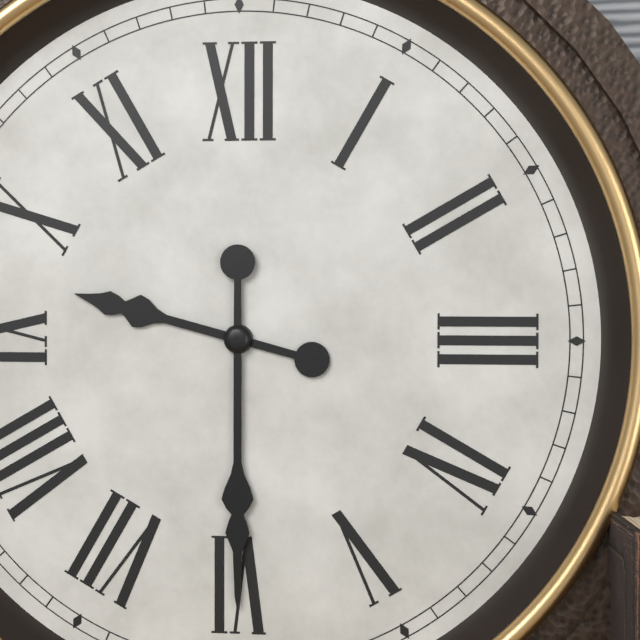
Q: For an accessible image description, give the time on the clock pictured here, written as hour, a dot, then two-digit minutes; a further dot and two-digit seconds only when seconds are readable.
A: 9.30
